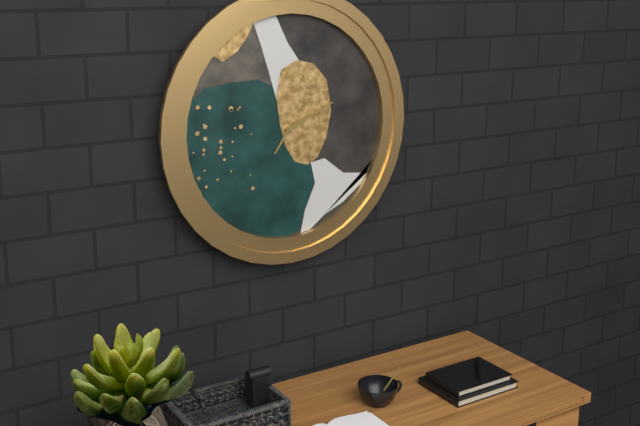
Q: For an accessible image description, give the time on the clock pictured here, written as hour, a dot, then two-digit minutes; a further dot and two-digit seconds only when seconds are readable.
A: 7.11
